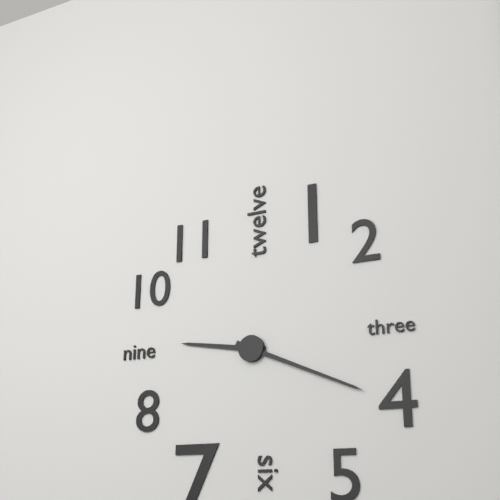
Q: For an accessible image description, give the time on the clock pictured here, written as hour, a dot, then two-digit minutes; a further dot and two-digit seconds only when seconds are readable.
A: 9.19
